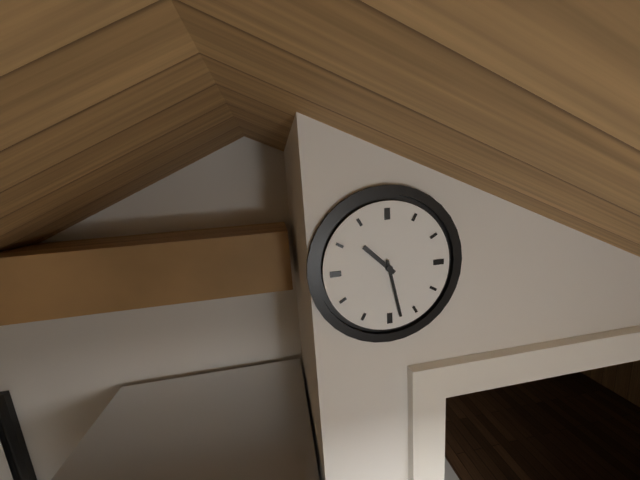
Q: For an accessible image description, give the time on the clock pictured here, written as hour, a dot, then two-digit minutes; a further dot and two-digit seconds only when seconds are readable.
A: 10.28
